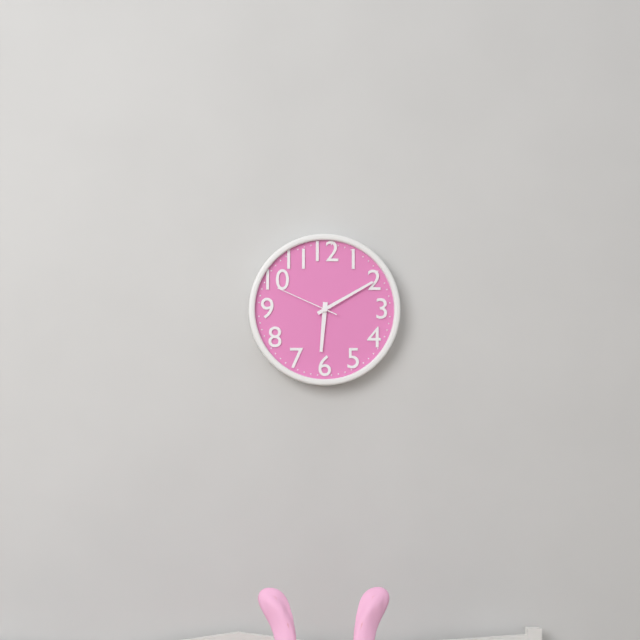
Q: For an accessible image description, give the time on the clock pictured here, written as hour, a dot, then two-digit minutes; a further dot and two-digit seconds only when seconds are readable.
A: 6.10.49
